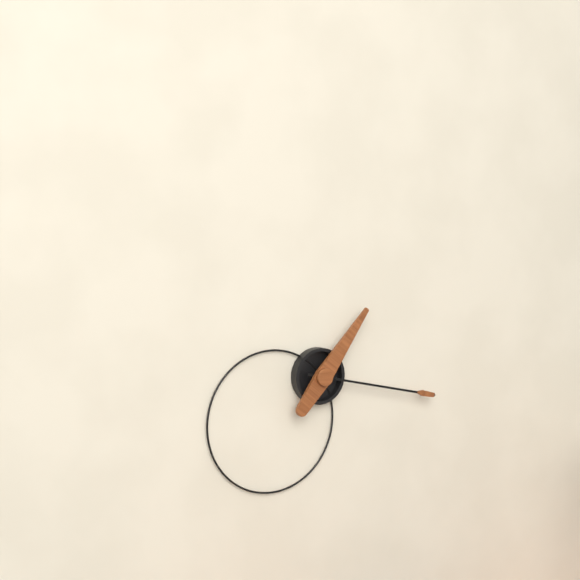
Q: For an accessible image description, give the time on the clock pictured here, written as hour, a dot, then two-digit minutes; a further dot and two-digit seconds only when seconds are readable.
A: 1.17
